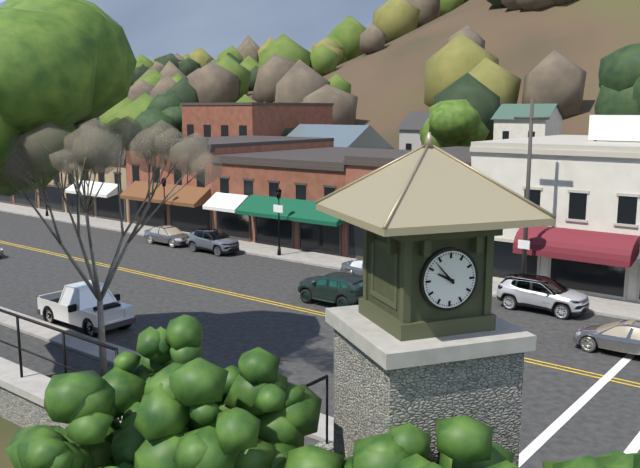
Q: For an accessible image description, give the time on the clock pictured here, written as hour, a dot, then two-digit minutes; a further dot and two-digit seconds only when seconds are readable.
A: 9.53
